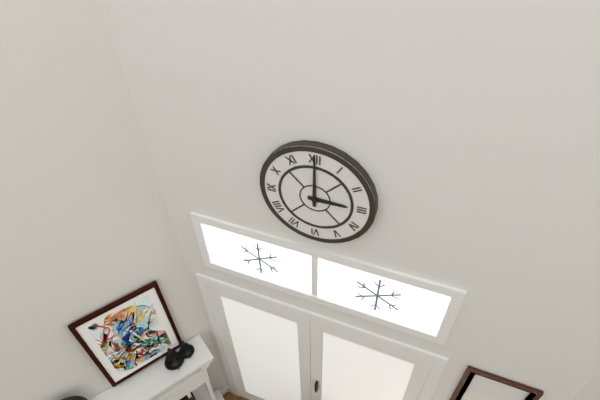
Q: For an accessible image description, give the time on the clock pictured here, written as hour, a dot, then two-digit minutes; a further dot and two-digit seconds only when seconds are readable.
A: 3.00
